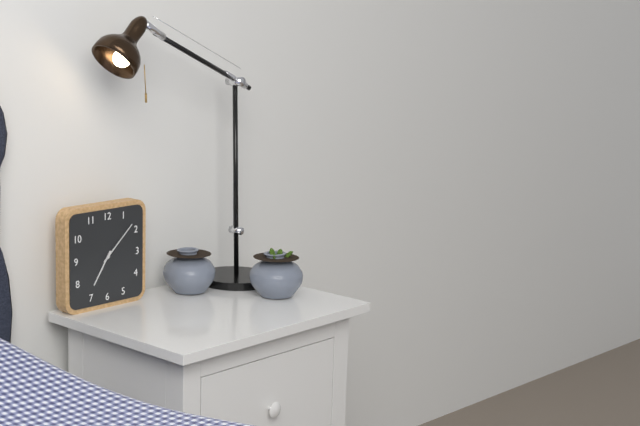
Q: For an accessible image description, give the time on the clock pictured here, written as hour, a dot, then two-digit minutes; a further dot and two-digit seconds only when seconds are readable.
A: 7.08
